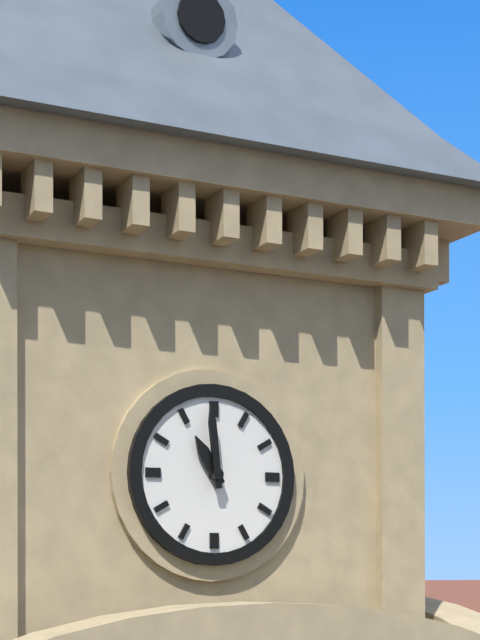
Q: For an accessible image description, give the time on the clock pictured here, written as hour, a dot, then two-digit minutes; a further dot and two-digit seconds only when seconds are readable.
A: 10.59
